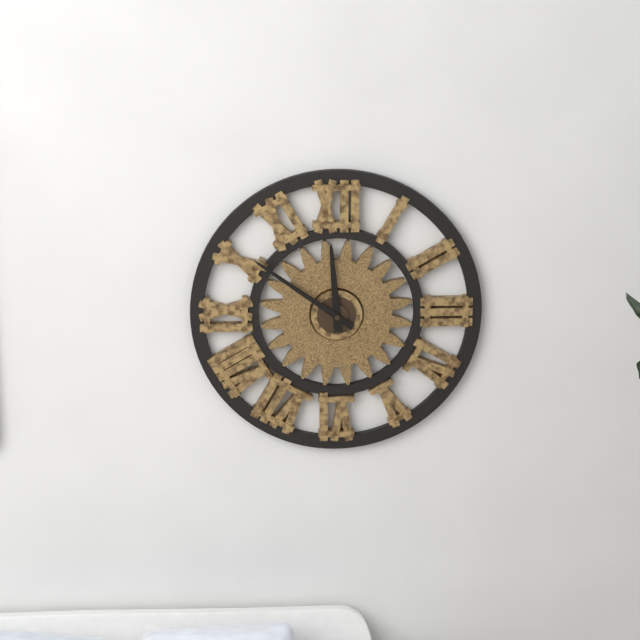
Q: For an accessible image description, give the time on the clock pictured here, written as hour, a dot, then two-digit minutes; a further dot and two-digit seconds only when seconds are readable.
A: 11.51
